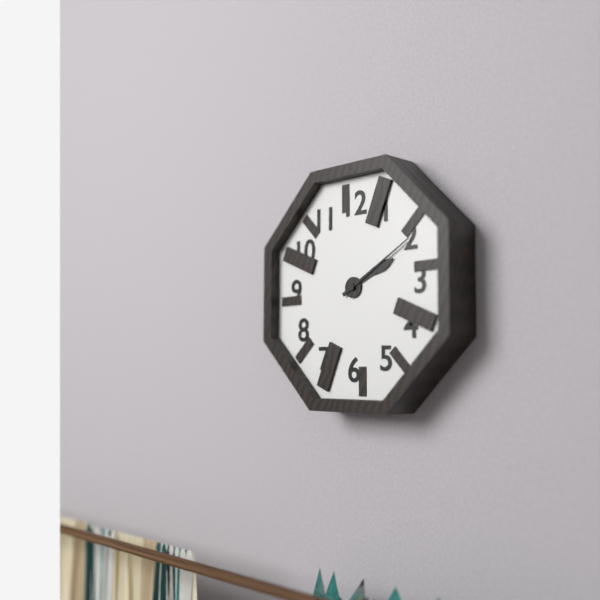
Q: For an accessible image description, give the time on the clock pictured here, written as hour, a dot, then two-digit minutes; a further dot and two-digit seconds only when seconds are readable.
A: 2.10
